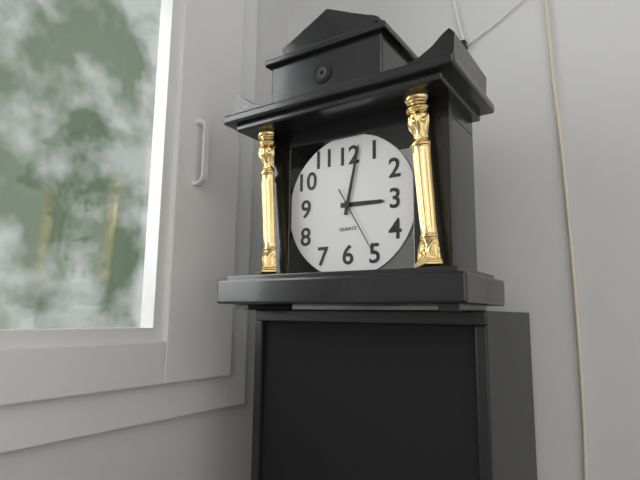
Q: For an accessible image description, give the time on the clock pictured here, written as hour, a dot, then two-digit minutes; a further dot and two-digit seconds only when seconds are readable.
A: 3.02.25
